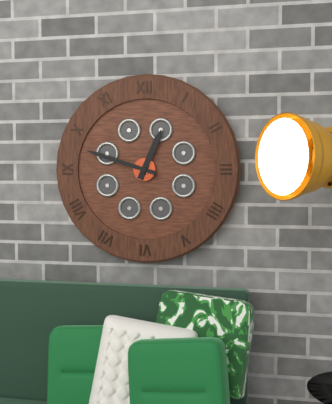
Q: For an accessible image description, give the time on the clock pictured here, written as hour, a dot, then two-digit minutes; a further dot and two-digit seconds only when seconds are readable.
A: 12.48
